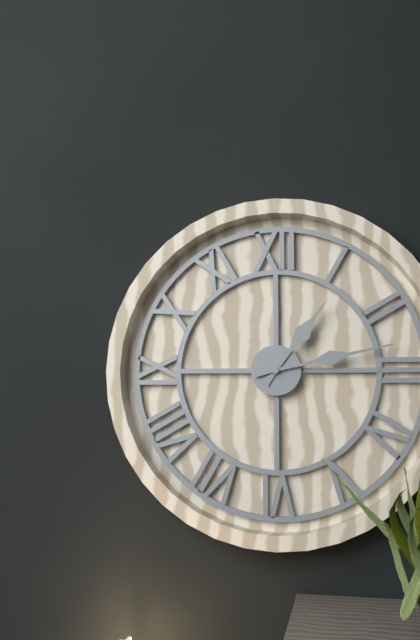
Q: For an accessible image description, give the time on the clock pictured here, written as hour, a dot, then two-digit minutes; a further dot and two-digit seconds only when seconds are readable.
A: 1.13
